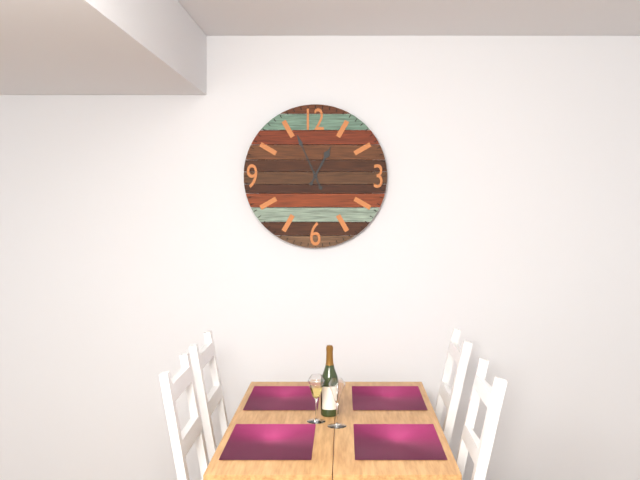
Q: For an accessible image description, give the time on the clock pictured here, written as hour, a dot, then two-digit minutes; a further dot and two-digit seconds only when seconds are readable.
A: 12.56
